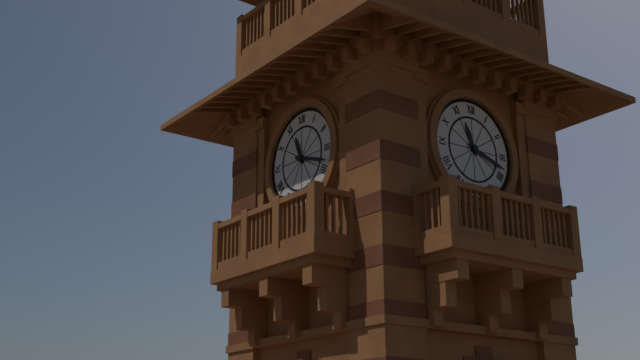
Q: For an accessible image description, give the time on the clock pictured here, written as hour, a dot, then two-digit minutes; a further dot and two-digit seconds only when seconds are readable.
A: 11.18
